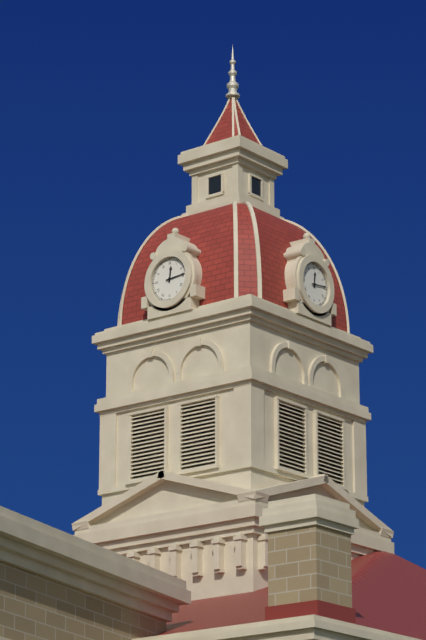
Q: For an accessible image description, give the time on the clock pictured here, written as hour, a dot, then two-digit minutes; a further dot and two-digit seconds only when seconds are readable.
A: 12.14
